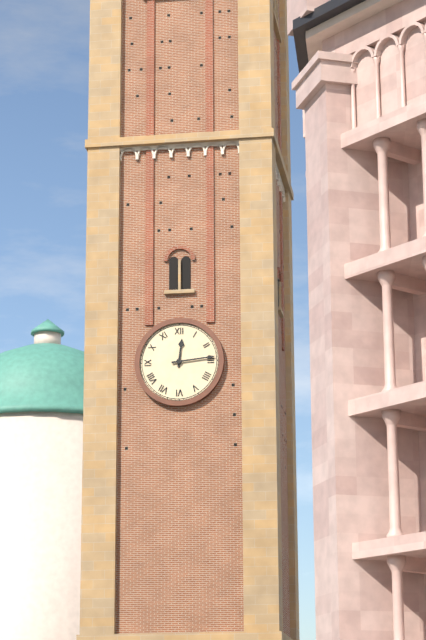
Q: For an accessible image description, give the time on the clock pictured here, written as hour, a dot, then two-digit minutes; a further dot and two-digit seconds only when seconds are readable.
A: 12.14
